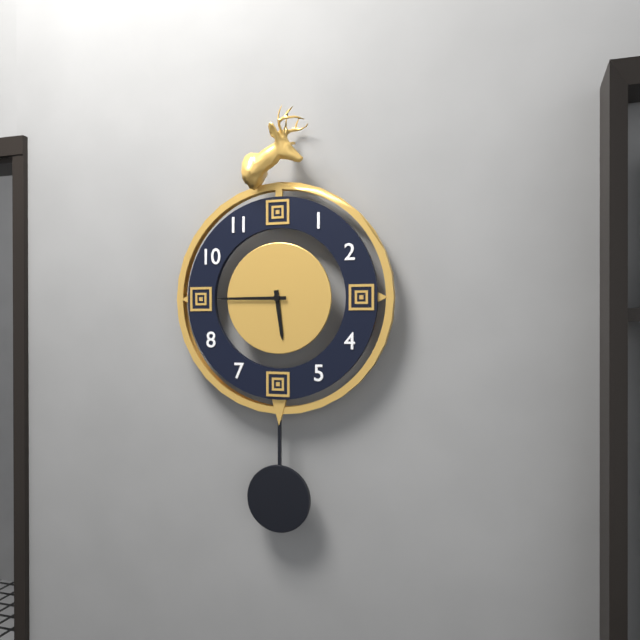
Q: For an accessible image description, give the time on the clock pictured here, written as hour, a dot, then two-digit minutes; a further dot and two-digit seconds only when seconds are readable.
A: 5.45
